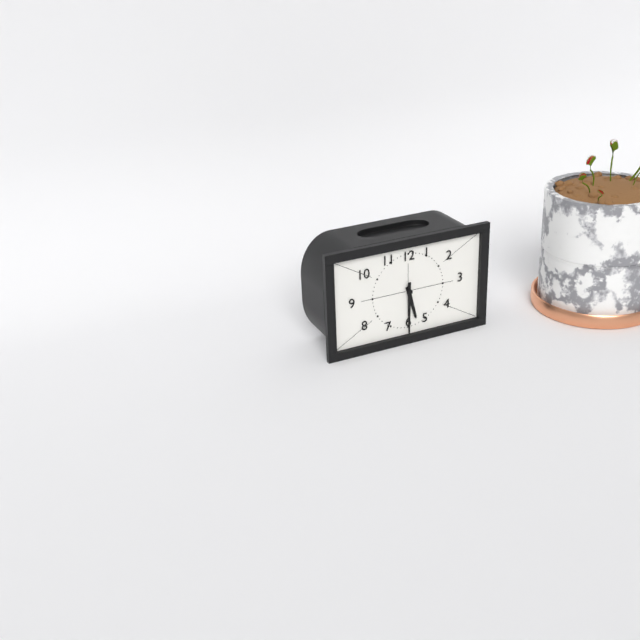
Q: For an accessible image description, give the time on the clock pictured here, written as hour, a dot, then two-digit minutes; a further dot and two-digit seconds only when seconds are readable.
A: 5.30
